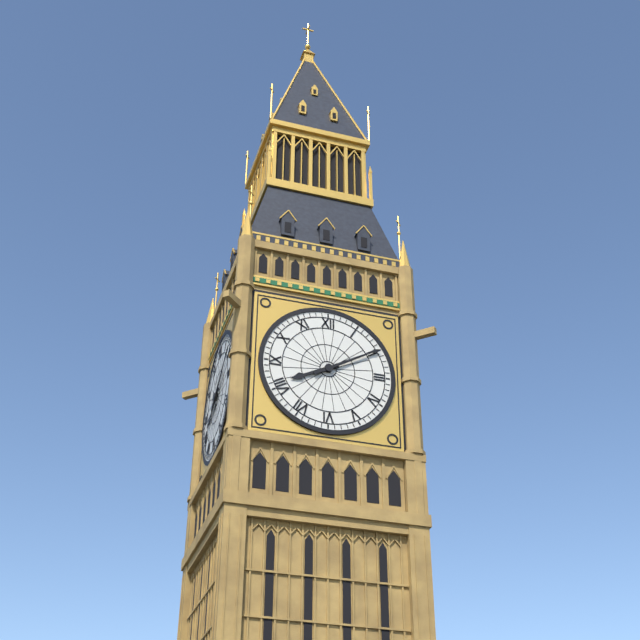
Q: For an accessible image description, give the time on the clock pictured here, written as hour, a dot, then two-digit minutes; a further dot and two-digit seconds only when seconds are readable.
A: 8.10
